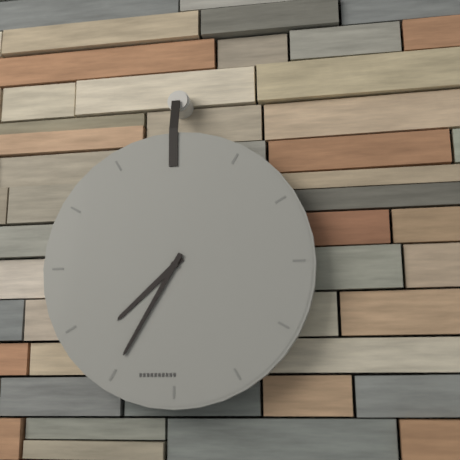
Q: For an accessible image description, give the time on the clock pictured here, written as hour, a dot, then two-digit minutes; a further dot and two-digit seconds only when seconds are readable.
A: 7.35
